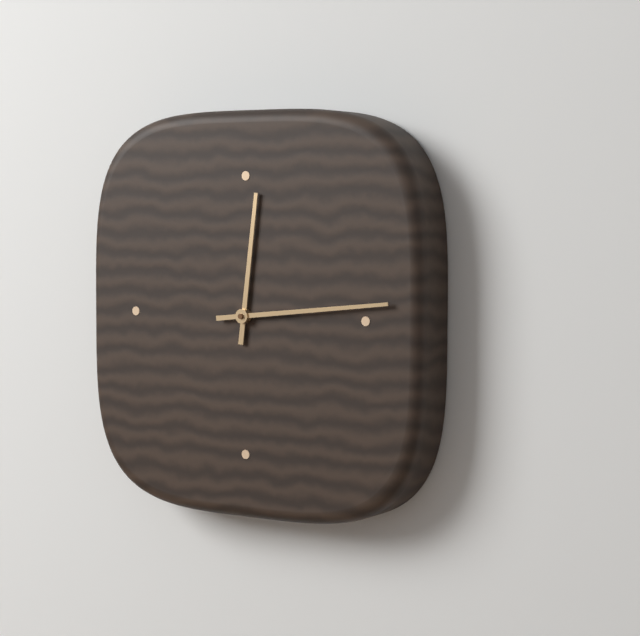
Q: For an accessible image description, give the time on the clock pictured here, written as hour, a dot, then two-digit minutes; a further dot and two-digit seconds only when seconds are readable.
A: 12.14
